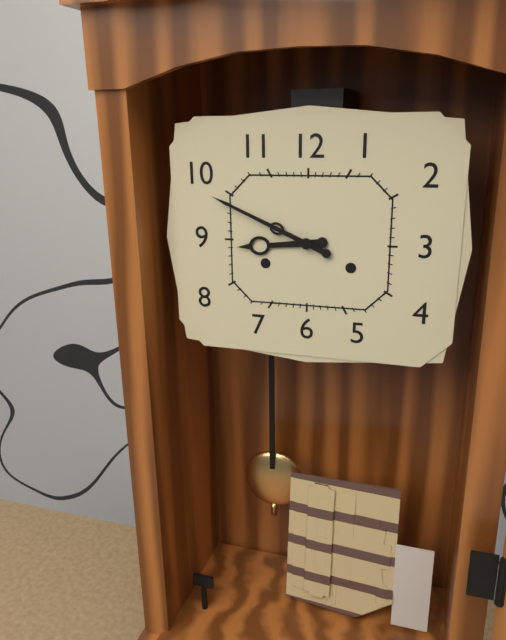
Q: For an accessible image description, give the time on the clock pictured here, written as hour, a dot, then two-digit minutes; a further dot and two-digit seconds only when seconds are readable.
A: 8.49
